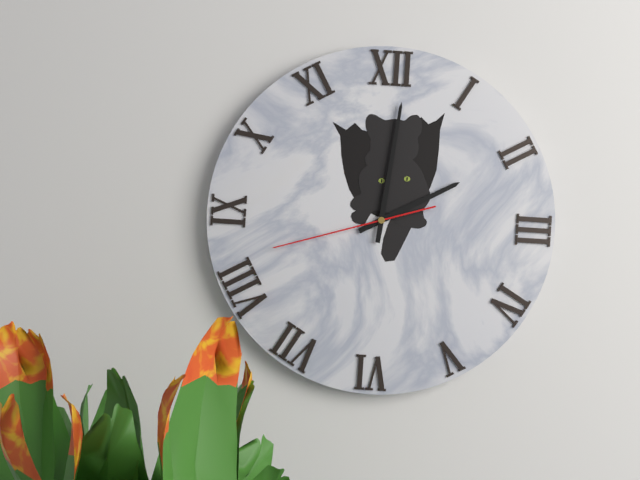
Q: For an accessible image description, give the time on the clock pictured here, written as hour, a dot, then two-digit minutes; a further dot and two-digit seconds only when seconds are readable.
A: 2.01.42
